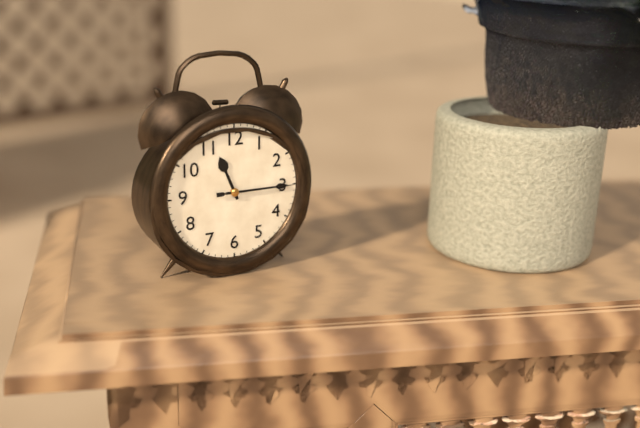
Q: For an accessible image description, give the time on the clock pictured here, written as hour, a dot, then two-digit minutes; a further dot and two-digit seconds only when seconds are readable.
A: 11.15.15
